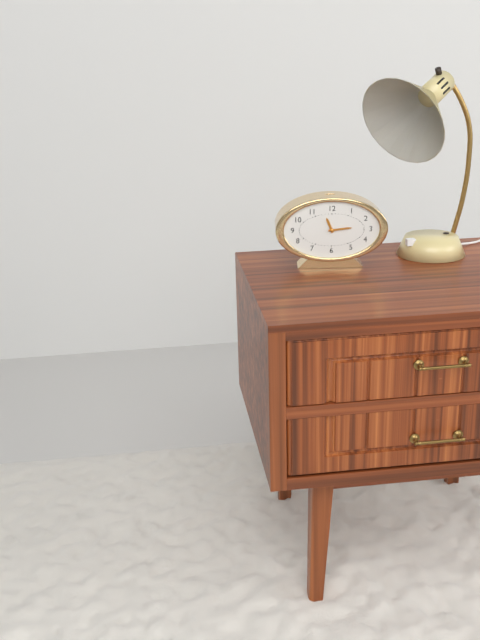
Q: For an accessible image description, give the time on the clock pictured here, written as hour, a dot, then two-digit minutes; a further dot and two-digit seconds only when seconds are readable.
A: 11.14
